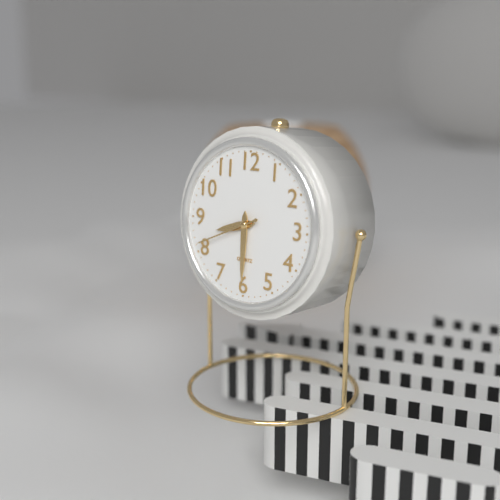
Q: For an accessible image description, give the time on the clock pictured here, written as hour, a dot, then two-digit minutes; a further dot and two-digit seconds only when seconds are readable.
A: 8.30.41
